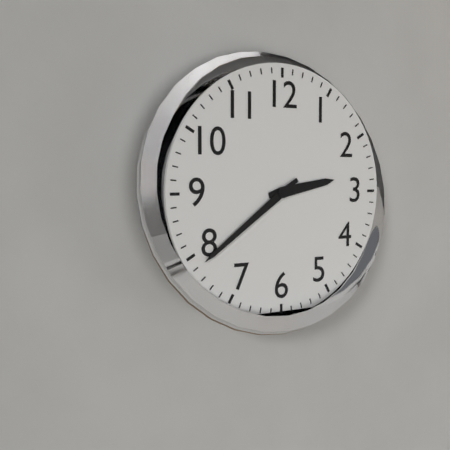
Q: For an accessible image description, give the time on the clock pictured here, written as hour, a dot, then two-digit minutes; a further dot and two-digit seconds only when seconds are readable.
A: 2.39
